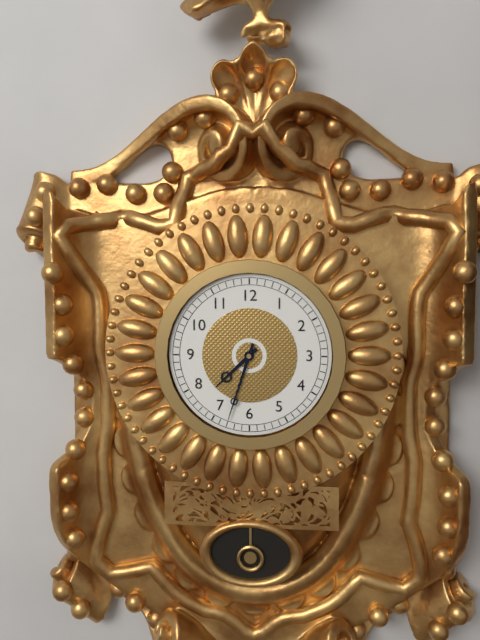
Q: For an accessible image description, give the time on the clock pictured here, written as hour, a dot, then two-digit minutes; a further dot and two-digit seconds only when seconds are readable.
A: 7.33
